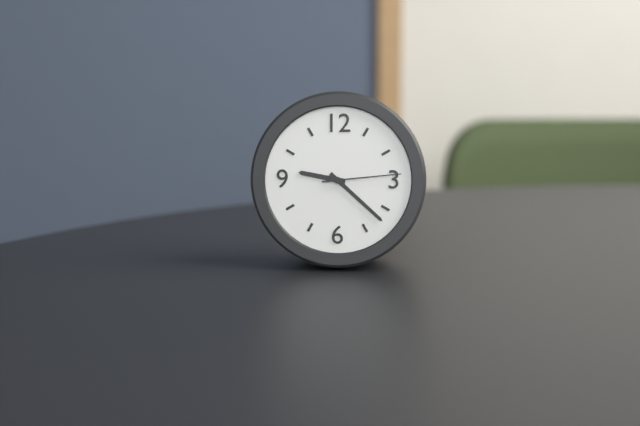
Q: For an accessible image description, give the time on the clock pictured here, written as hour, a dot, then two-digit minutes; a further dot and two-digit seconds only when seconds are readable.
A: 9.22.14
